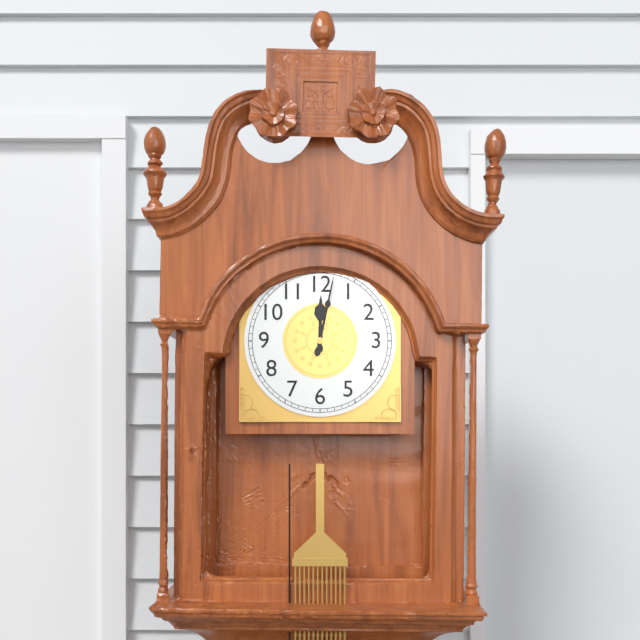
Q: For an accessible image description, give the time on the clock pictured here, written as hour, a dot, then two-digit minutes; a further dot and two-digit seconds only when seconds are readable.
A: 12.02
